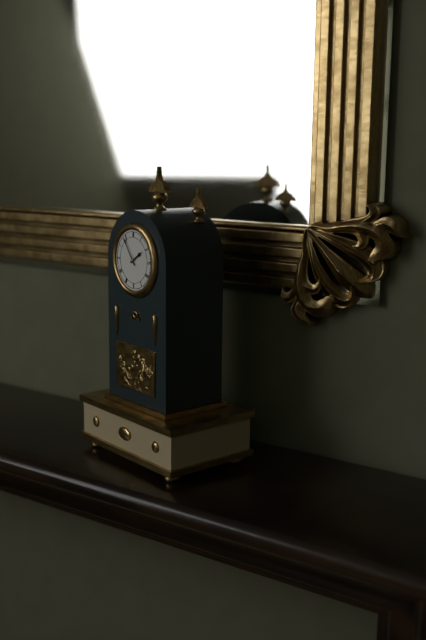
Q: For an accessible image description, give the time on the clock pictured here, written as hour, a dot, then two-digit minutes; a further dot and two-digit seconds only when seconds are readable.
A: 1.54
